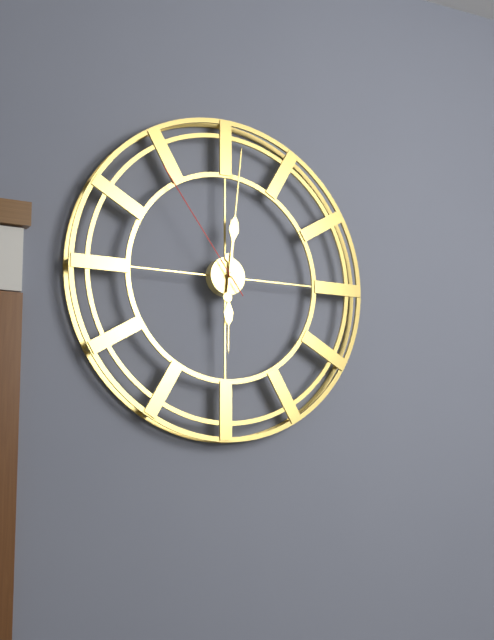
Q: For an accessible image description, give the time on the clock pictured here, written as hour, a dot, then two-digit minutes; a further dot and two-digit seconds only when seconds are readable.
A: 6.01.54
